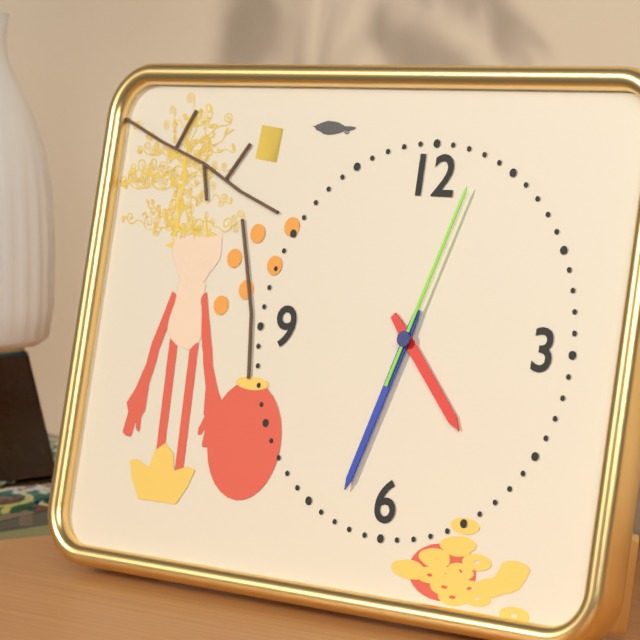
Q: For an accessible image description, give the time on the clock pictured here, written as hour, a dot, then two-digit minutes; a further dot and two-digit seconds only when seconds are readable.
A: 4.33.03
